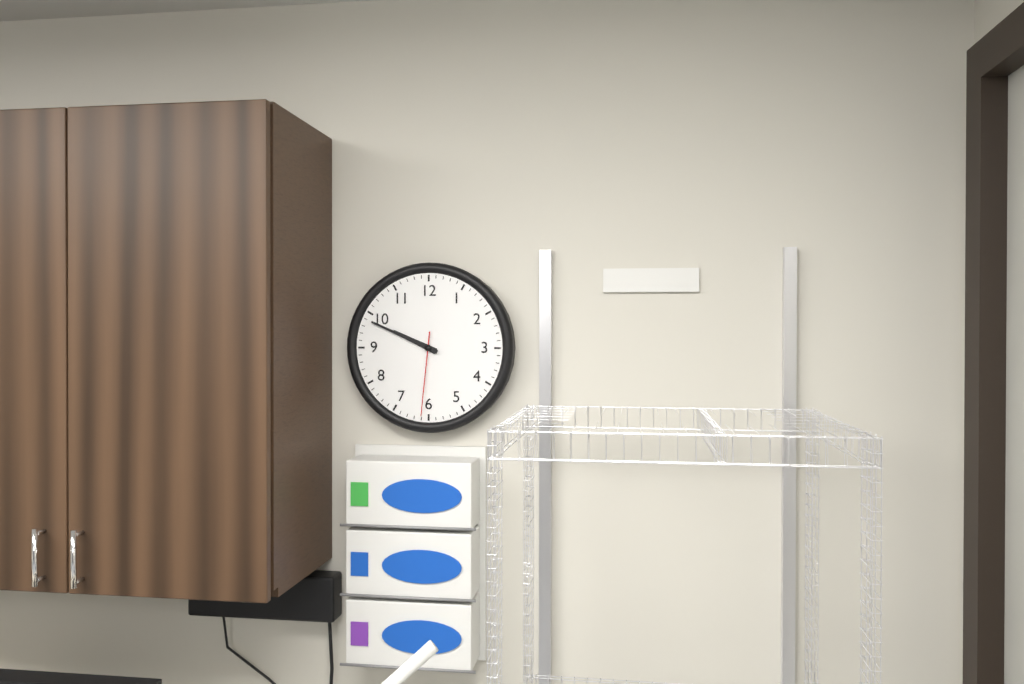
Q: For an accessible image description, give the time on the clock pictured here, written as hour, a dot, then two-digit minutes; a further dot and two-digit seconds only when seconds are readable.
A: 9.49.31
